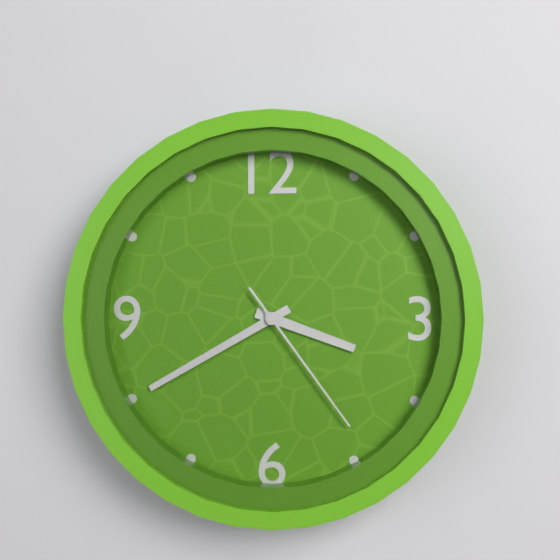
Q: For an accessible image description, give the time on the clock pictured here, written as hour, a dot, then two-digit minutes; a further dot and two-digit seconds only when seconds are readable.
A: 3.40.24
